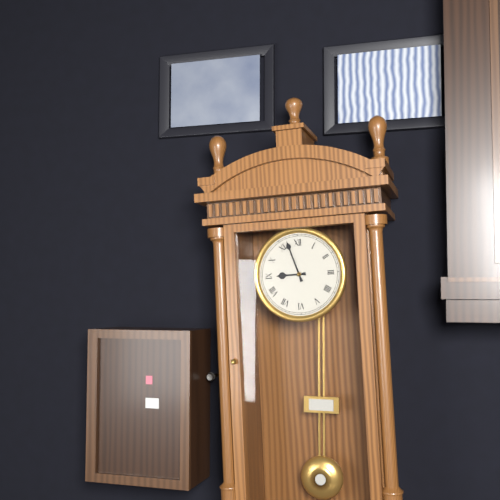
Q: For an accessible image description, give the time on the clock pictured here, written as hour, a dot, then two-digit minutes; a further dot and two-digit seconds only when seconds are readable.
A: 8.57
